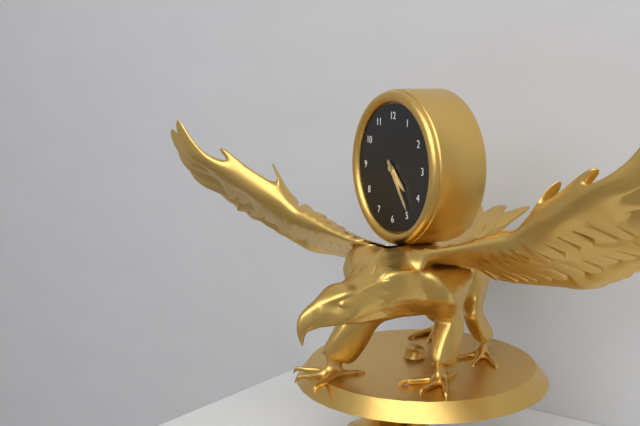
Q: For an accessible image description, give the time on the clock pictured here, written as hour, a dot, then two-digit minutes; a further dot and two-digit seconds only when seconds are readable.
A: 4.24
